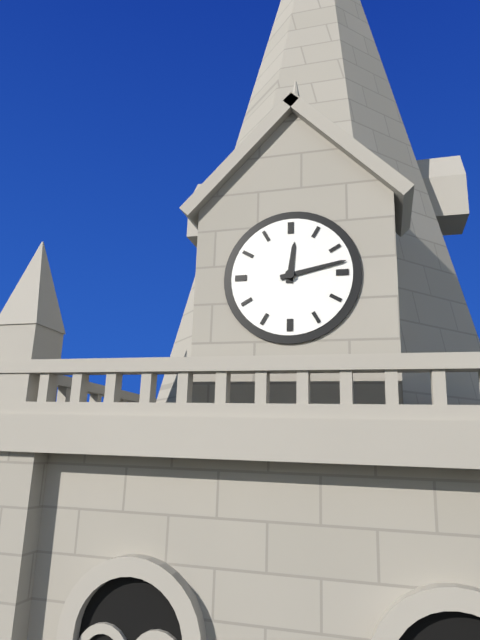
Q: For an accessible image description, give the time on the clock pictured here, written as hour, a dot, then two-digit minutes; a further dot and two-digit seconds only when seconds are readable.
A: 12.13
